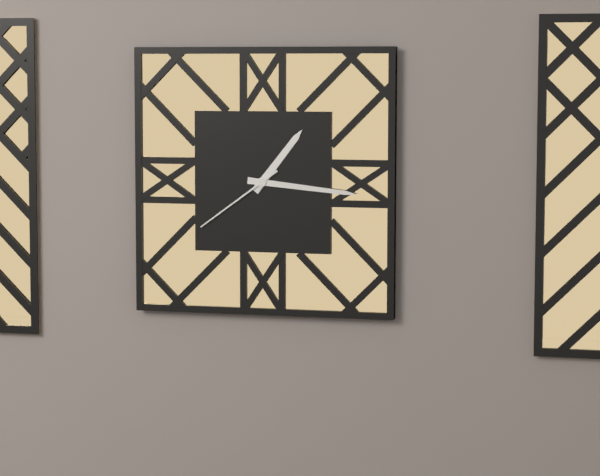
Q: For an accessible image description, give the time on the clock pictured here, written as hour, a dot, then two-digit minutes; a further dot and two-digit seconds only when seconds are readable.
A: 1.16.39
